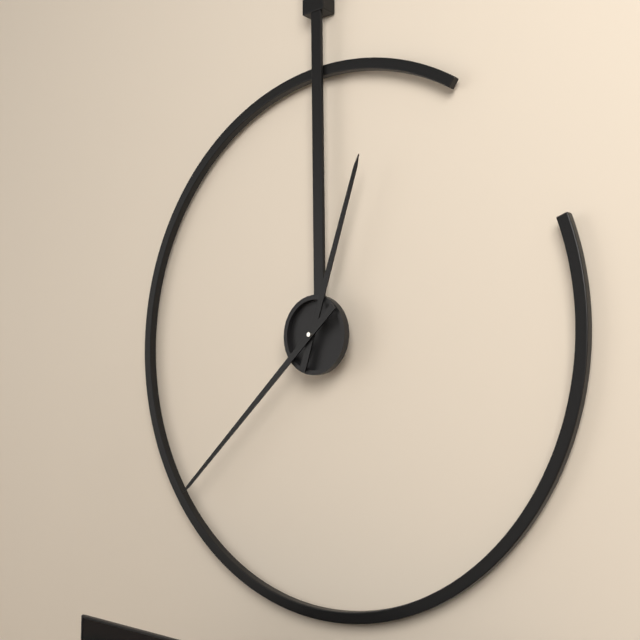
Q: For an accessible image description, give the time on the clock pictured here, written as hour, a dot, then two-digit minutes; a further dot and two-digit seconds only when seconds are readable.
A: 12.38
